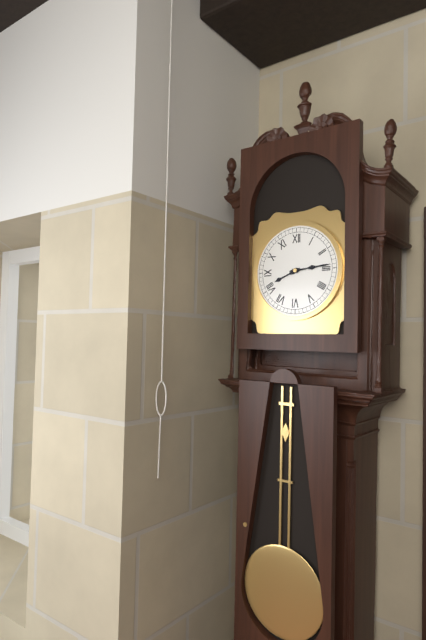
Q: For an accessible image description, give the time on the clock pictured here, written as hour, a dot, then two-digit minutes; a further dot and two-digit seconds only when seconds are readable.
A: 8.14
